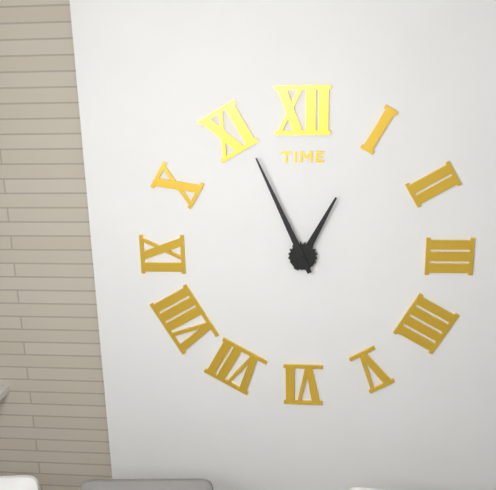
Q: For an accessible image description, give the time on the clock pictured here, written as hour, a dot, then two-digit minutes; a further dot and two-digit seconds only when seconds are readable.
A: 12.56
